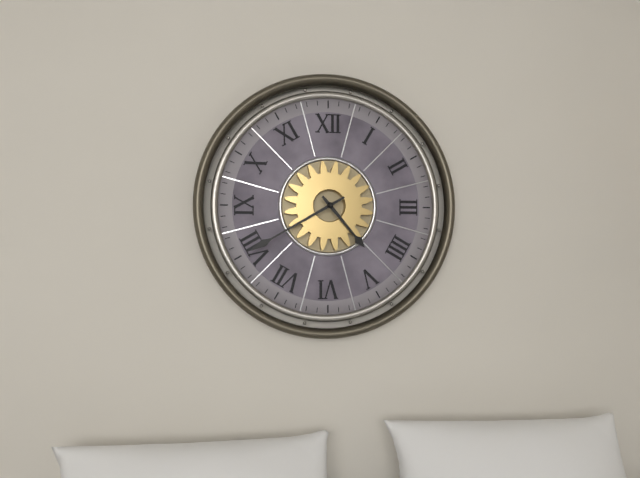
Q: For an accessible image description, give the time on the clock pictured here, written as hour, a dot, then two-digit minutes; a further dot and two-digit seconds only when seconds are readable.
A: 4.40
